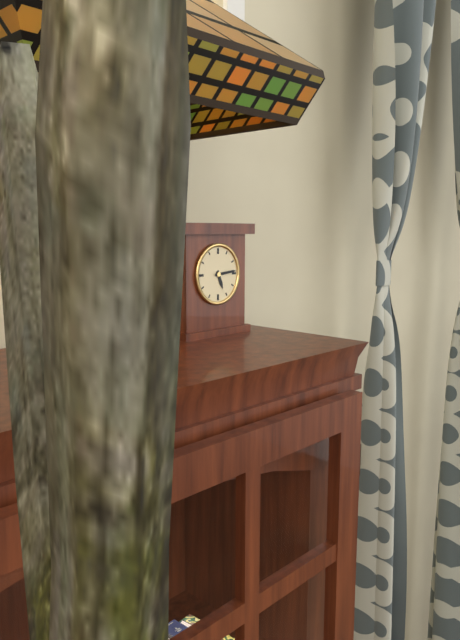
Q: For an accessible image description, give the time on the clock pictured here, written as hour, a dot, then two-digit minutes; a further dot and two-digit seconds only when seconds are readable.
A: 5.14
